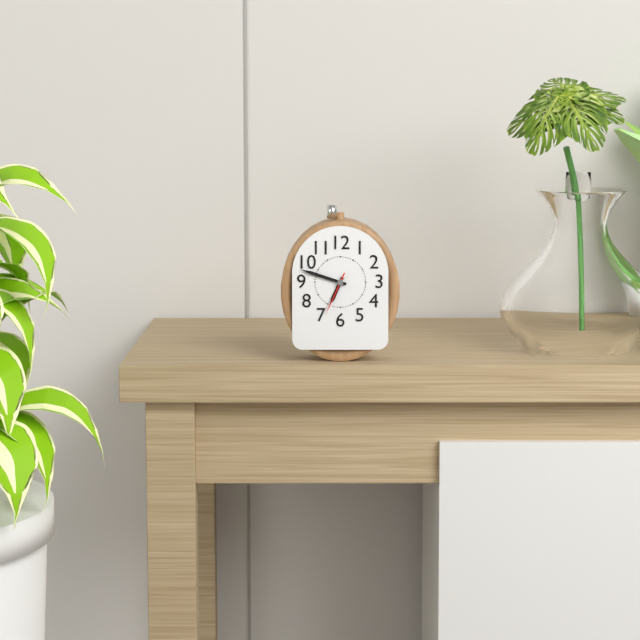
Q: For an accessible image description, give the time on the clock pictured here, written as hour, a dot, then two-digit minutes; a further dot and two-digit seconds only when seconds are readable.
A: 6.48
